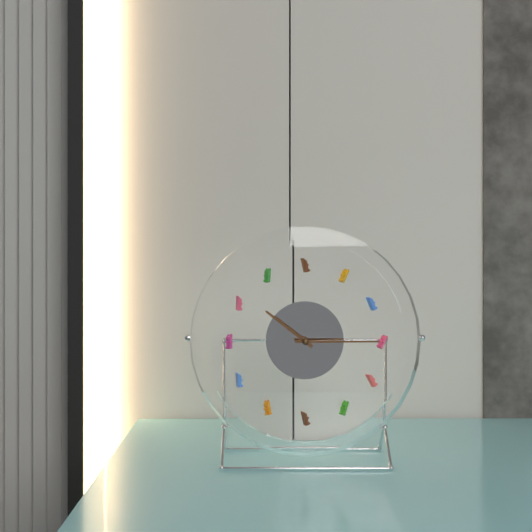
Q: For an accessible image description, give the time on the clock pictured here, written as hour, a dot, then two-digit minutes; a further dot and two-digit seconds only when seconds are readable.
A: 10.15
